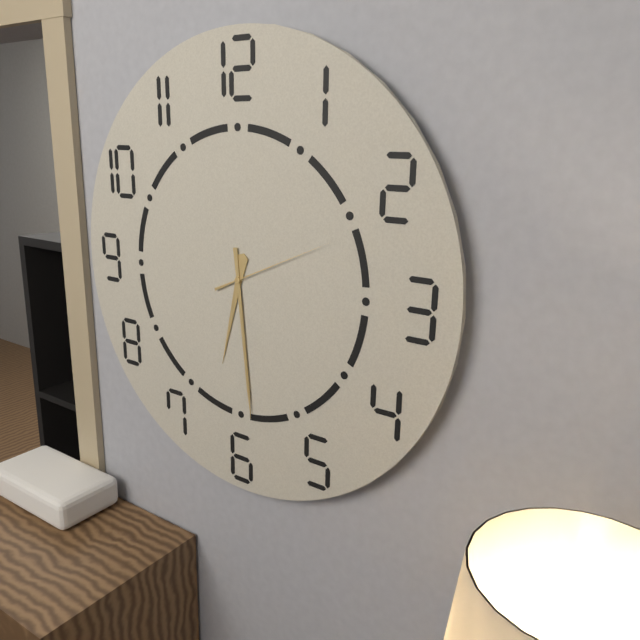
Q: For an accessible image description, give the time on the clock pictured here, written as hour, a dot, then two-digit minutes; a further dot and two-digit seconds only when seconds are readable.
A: 6.29.11
